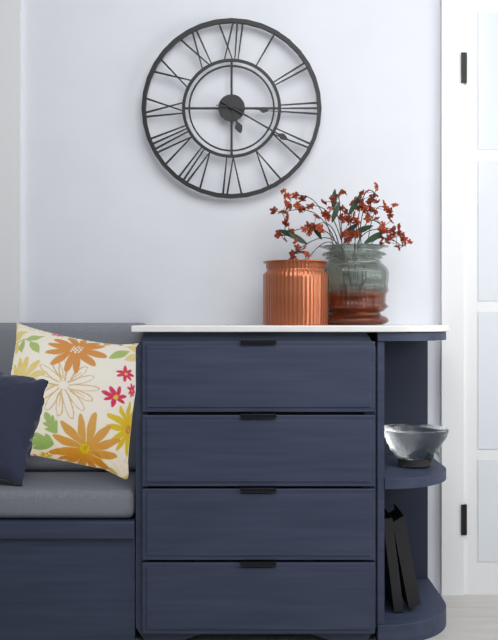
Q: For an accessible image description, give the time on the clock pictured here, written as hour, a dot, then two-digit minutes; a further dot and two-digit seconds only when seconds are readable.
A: 5.20.16
